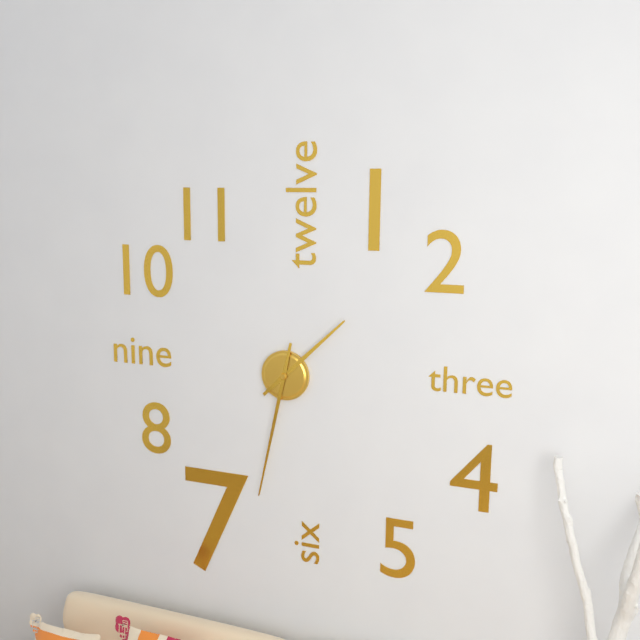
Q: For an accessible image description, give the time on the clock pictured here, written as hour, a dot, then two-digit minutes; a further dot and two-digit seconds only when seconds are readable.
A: 1.32
